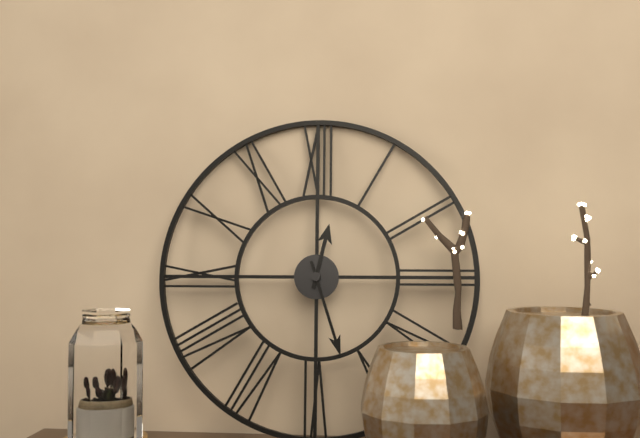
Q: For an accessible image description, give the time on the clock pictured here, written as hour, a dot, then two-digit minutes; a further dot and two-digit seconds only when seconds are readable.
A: 12.27
